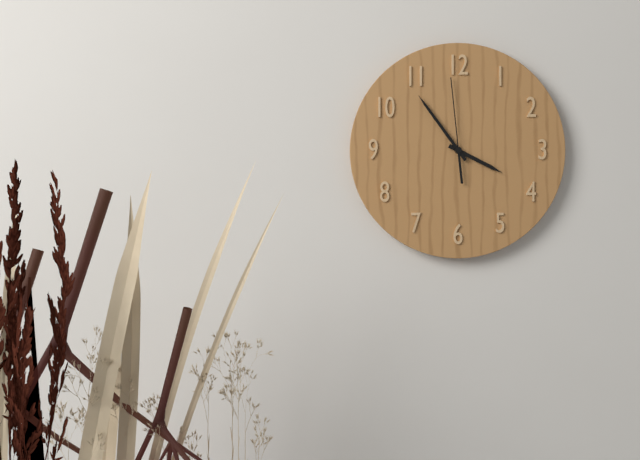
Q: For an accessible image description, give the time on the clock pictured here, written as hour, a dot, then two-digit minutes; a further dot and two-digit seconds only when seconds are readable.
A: 3.54.59
